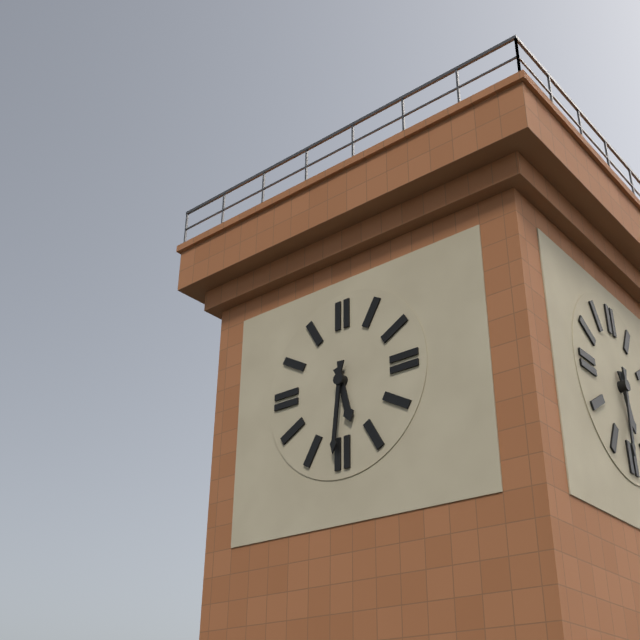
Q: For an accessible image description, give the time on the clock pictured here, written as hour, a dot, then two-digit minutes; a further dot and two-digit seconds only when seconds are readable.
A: 5.31
